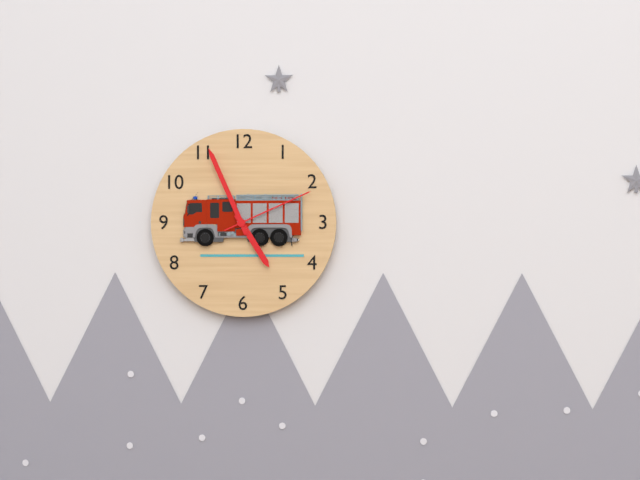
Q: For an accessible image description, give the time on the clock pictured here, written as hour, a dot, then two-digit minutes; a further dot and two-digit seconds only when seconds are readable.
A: 4.56.11
